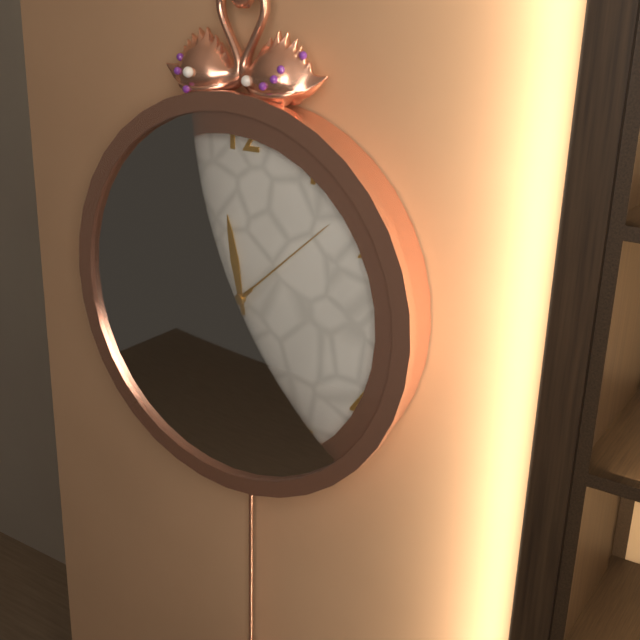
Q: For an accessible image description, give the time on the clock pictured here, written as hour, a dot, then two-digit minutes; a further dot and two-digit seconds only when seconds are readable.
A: 11.38.08
